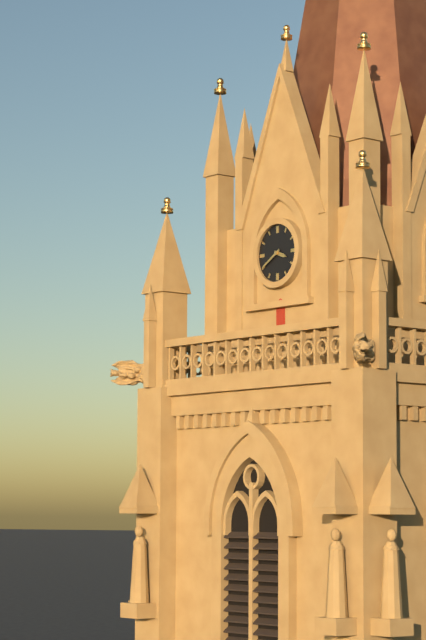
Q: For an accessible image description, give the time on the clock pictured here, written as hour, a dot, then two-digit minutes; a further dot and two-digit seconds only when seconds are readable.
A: 3.40
